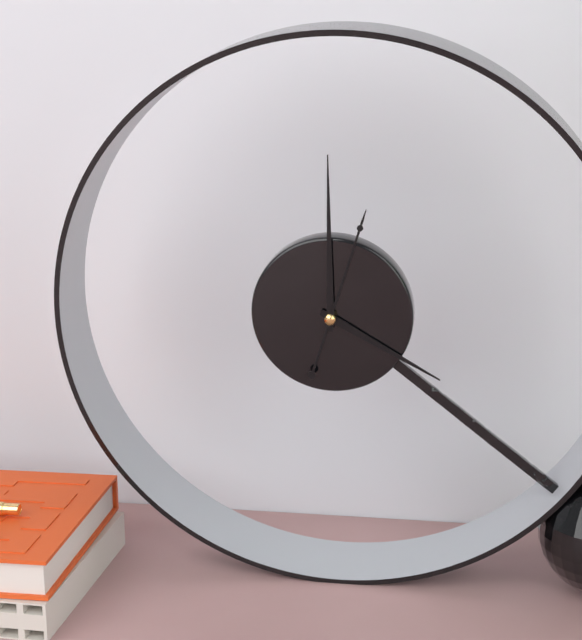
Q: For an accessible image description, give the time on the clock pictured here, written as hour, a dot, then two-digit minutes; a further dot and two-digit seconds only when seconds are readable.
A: 4.00.03
